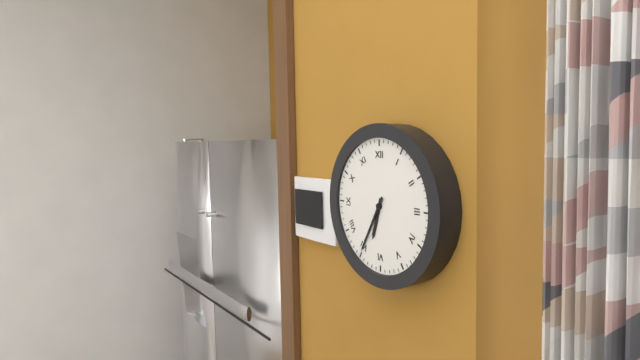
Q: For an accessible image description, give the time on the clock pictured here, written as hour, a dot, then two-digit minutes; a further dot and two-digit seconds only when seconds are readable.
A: 6.35
